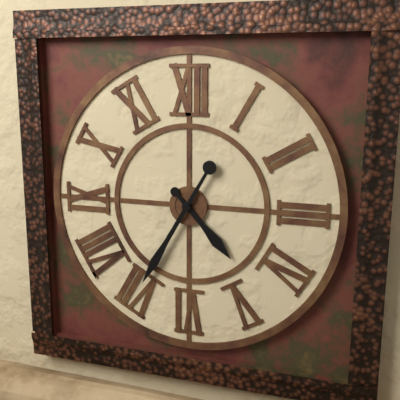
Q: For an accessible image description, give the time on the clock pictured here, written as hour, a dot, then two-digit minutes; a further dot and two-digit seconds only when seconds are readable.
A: 4.35
